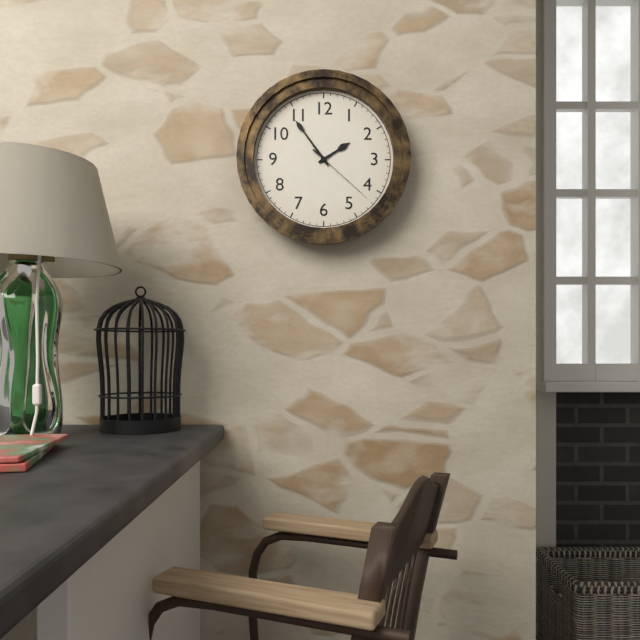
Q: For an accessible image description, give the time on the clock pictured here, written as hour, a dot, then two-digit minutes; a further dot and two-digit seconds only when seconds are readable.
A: 1.54.22
